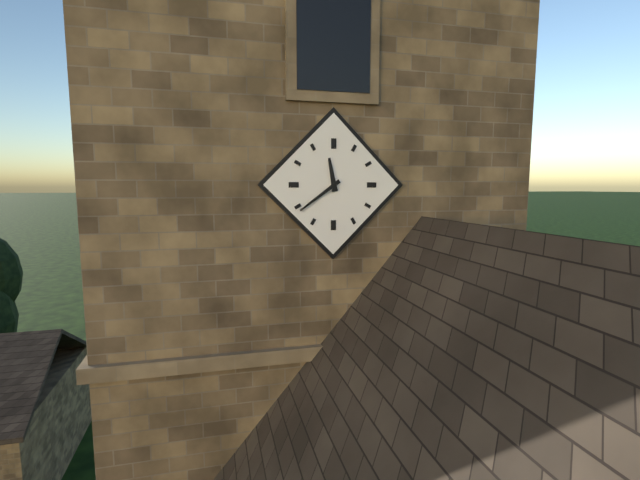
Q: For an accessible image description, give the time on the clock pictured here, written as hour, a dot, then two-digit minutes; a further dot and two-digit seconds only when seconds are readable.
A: 11.39
